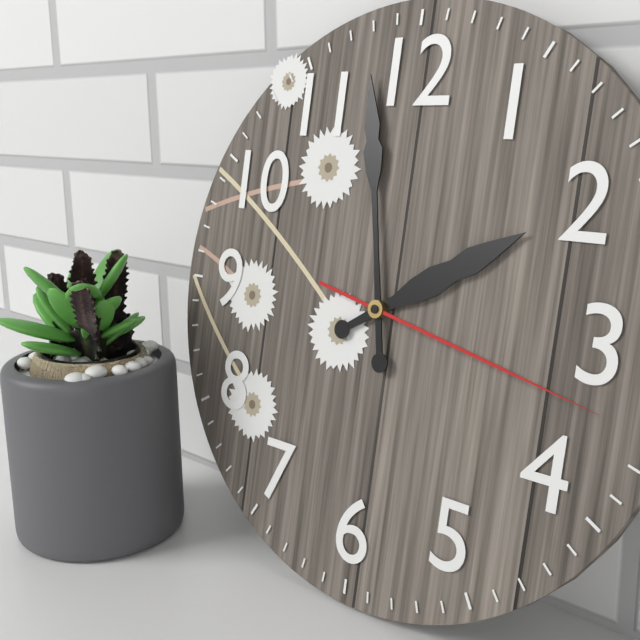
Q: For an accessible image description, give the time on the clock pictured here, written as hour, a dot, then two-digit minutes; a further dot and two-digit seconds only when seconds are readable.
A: 1.58.17
